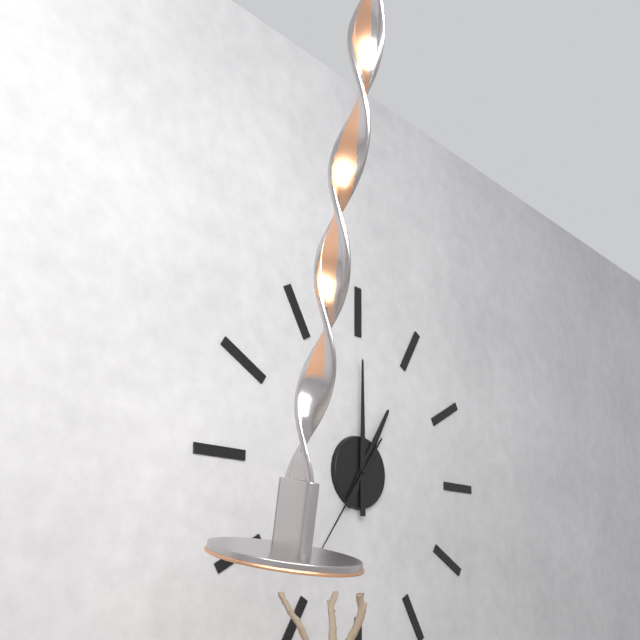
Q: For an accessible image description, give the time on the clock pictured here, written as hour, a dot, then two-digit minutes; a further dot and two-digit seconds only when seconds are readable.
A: 1.00.36
